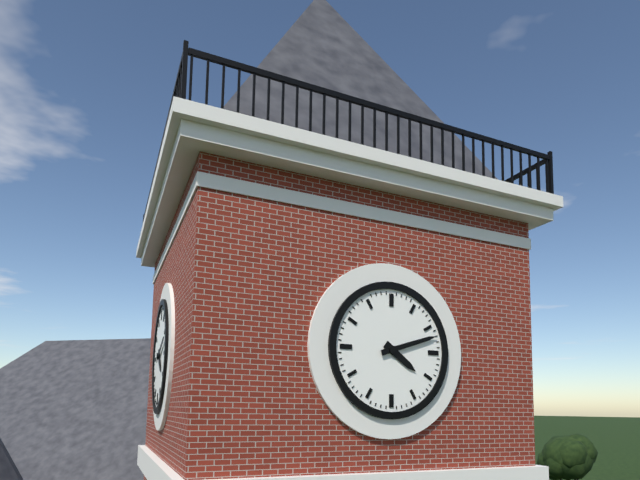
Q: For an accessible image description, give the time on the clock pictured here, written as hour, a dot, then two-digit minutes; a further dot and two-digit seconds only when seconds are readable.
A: 4.12
